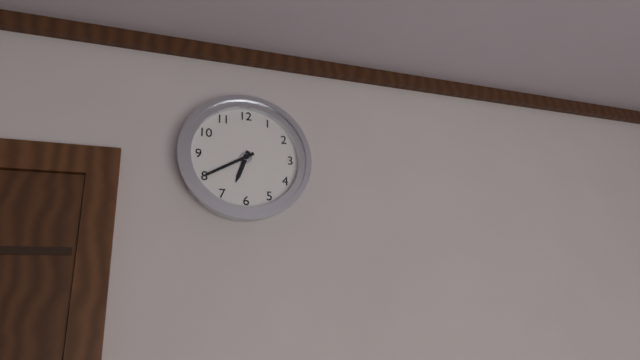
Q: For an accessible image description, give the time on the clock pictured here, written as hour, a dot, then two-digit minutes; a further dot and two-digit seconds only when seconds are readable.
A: 6.40
